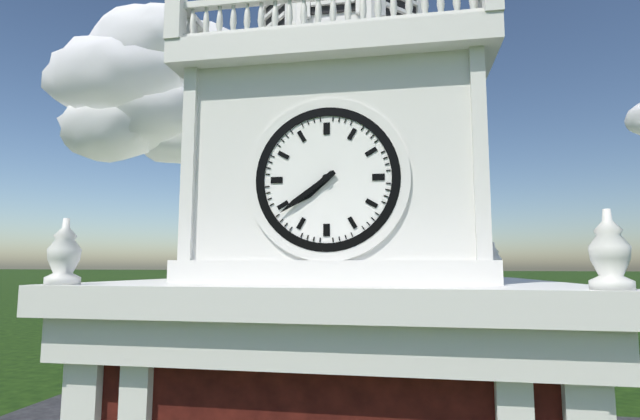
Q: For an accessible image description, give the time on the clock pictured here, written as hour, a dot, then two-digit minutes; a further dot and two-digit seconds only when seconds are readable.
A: 7.39
